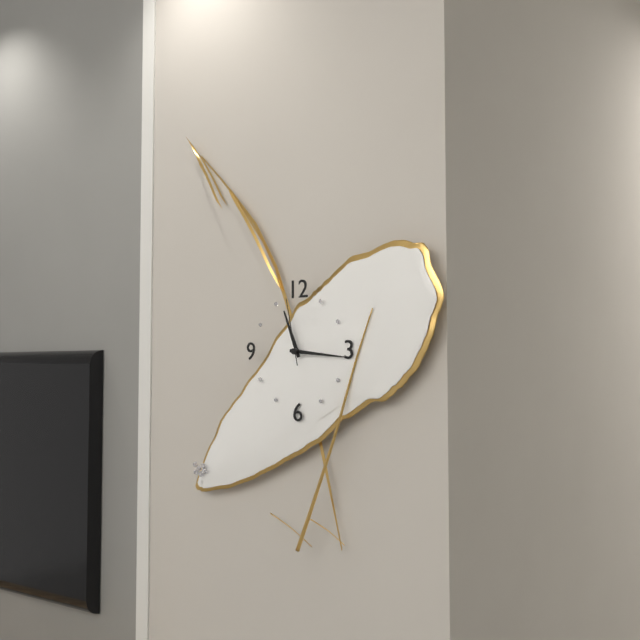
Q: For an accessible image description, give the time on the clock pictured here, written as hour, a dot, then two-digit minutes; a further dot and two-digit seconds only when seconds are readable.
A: 11.16.58
